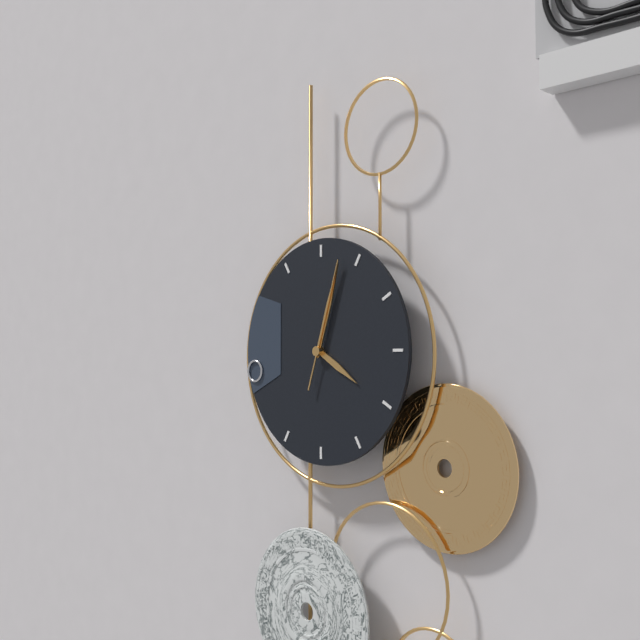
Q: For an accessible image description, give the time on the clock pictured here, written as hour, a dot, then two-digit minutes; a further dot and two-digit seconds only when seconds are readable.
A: 4.03.03
